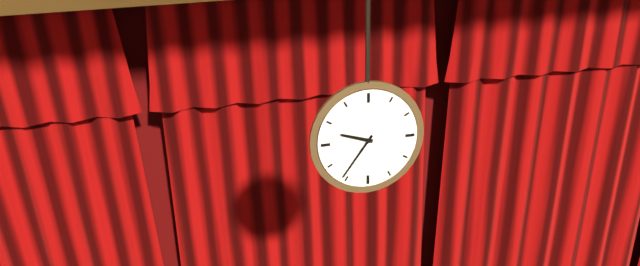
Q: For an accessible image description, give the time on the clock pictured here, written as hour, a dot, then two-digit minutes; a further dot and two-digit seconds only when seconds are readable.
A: 9.36
